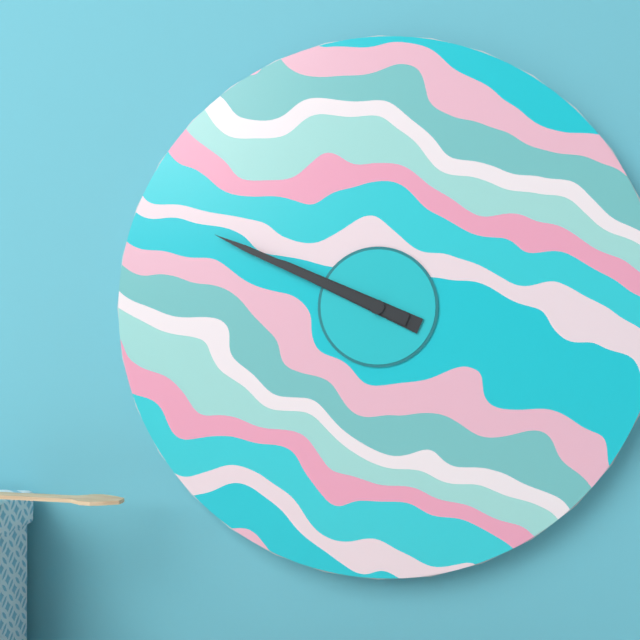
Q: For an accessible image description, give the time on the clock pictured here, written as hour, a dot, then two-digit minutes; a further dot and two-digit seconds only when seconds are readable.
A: 9.49
